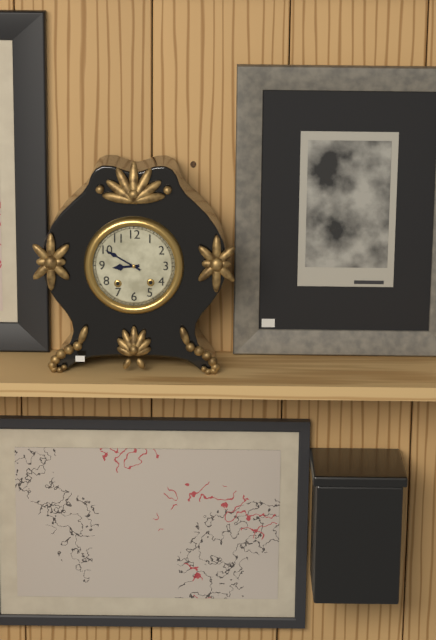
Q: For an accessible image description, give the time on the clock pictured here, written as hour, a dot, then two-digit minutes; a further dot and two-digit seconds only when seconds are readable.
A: 8.50
